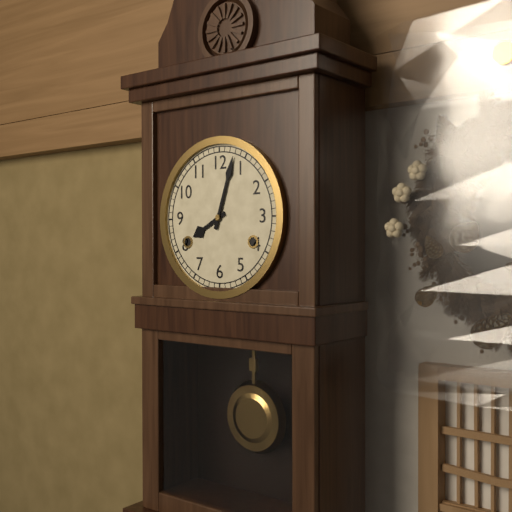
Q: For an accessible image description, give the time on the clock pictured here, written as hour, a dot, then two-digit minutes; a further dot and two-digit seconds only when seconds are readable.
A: 8.03
